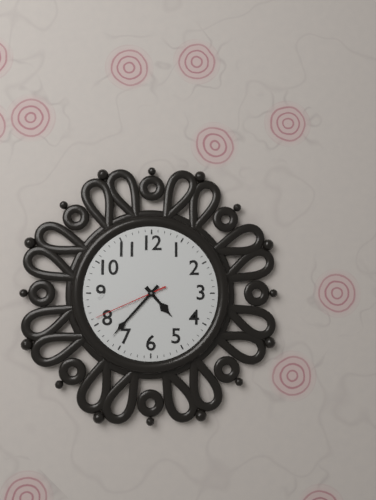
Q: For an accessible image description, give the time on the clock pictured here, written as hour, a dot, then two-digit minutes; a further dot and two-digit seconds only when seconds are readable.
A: 4.37.41
